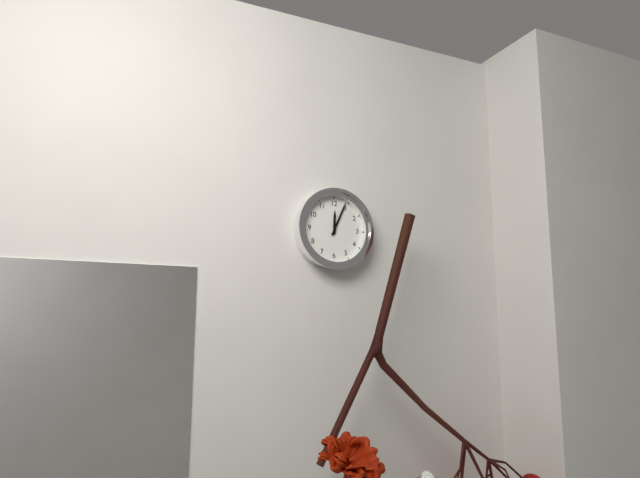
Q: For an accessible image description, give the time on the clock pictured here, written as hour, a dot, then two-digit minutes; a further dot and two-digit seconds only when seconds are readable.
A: 12.04
